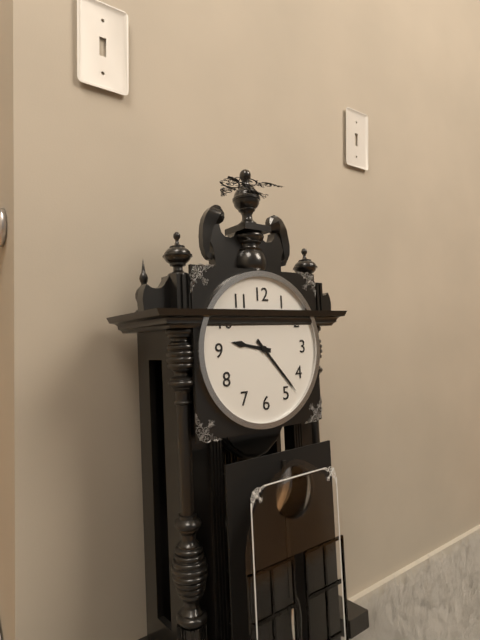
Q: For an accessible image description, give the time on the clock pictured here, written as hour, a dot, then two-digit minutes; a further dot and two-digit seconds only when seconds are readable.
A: 9.23
